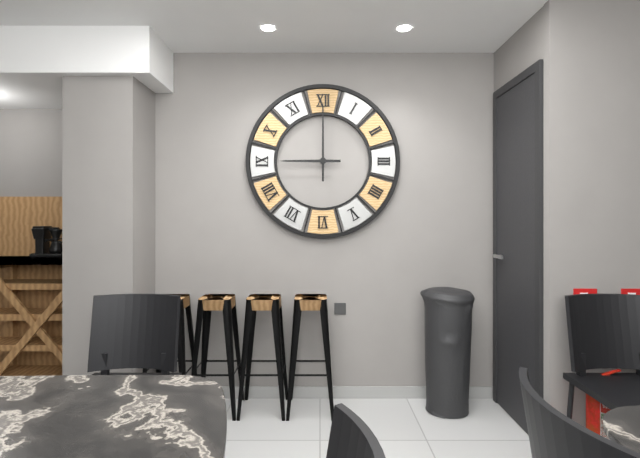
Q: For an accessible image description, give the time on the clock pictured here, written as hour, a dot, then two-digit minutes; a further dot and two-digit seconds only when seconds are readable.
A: 9.00
